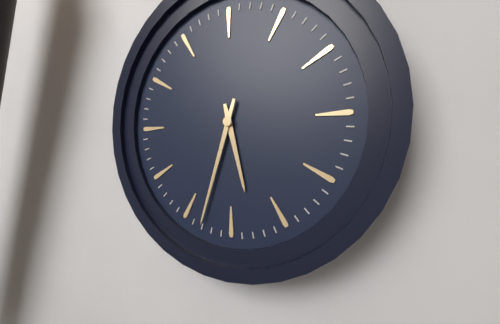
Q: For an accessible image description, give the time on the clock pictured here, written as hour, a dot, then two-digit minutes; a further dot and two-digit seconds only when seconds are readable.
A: 5.33
